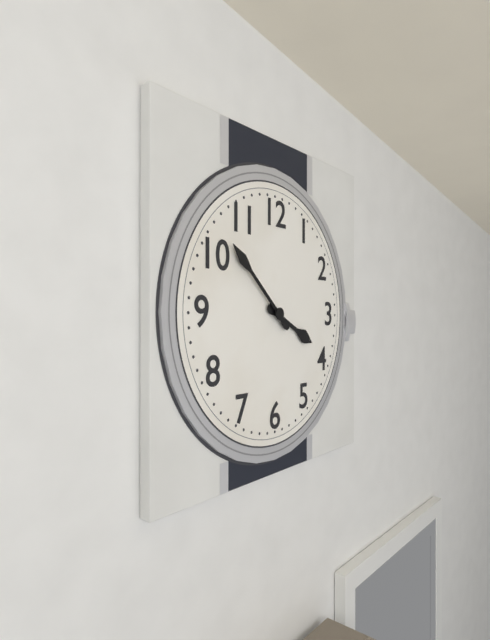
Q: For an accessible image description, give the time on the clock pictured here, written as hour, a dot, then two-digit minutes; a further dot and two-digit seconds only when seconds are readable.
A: 3.52
